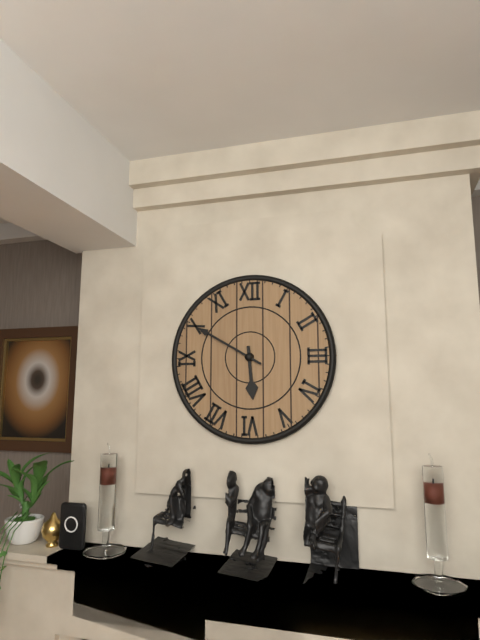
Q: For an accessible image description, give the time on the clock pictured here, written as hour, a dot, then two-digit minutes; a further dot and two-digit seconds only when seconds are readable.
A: 5.50
